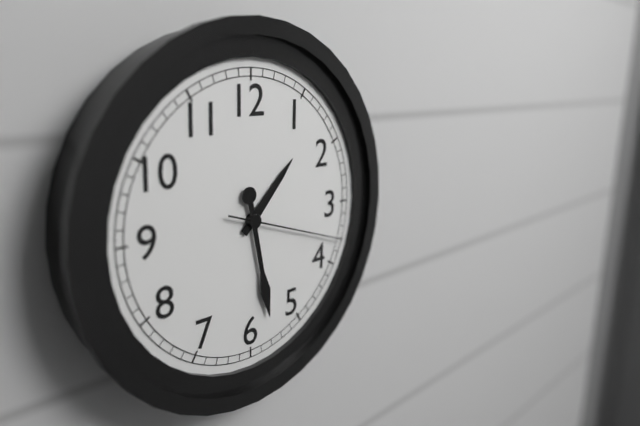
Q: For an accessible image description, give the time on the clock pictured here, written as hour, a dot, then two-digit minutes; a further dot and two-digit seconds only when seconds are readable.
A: 1.28.18
